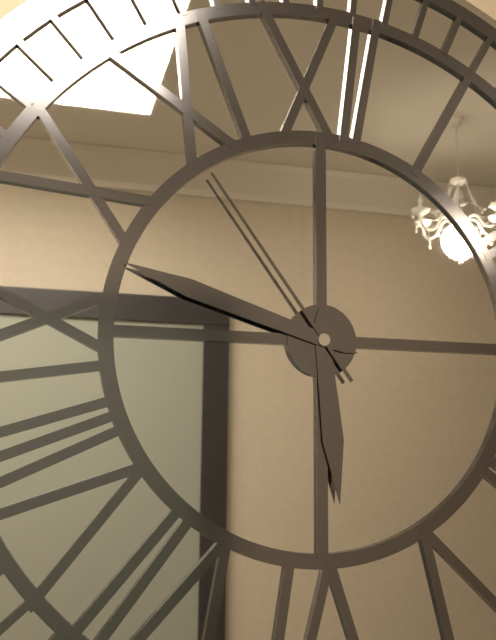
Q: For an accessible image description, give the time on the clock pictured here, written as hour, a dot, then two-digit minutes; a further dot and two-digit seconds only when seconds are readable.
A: 5.48.54
